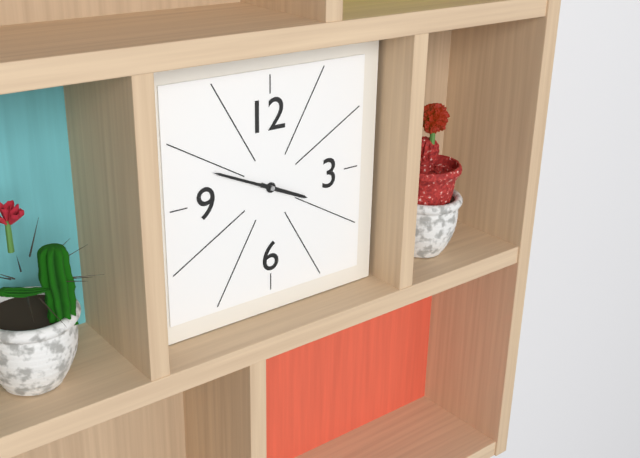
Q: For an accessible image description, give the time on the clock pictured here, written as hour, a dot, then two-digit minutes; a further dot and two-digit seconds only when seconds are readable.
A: 3.49
